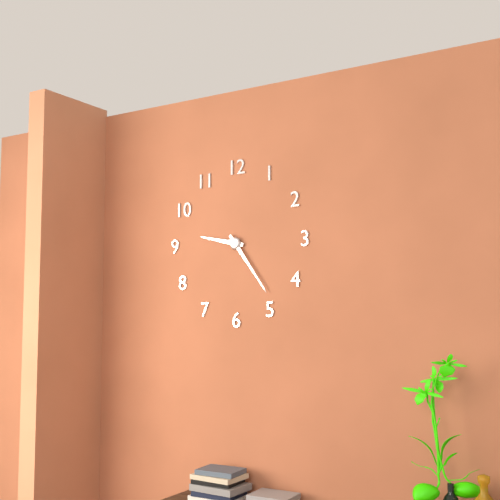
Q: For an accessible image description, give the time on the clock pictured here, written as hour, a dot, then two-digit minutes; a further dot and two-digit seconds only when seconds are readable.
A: 9.24
